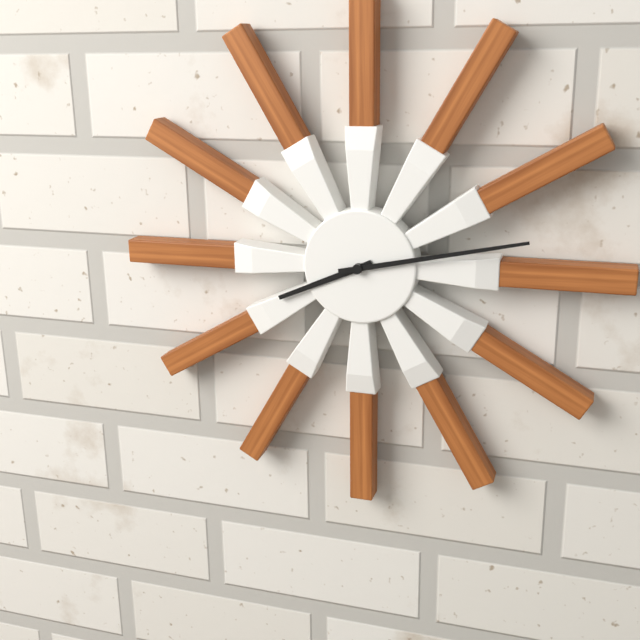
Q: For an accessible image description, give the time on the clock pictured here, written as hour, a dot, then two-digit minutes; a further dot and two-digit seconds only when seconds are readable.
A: 8.13
